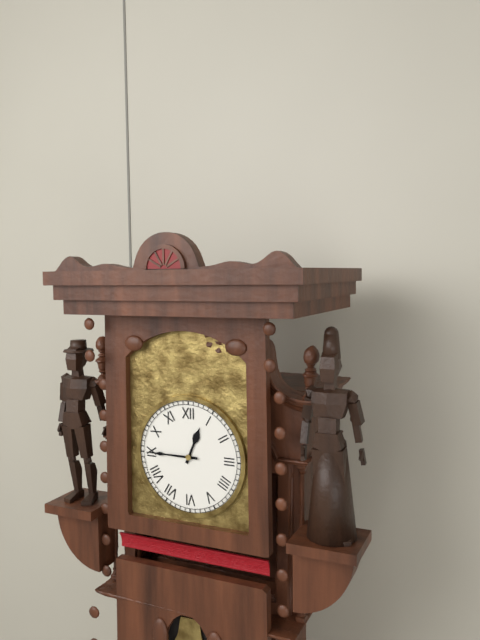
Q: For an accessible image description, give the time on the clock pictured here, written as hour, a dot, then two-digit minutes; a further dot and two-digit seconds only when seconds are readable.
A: 12.45
